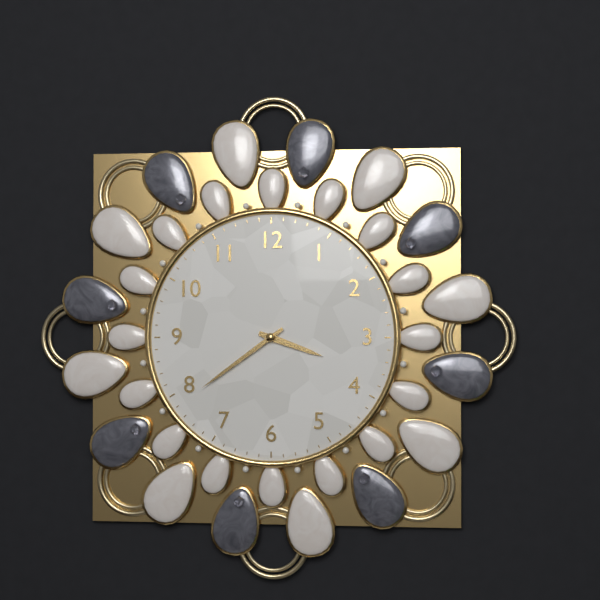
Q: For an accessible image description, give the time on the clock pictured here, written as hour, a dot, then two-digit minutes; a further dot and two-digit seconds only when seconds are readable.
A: 3.39
